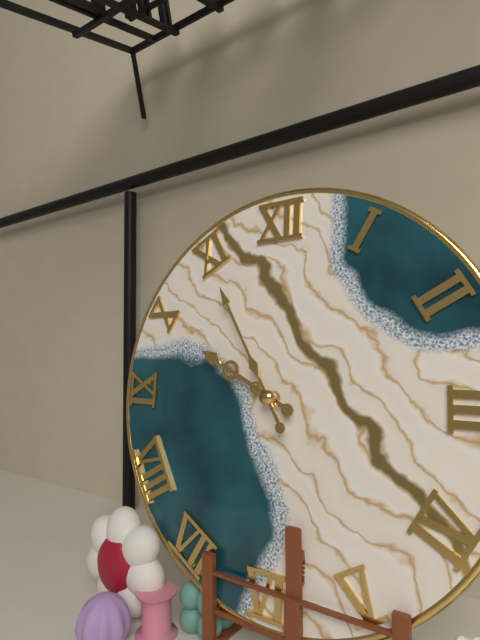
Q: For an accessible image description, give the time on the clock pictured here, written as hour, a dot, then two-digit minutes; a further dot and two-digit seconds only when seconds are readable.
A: 9.55
